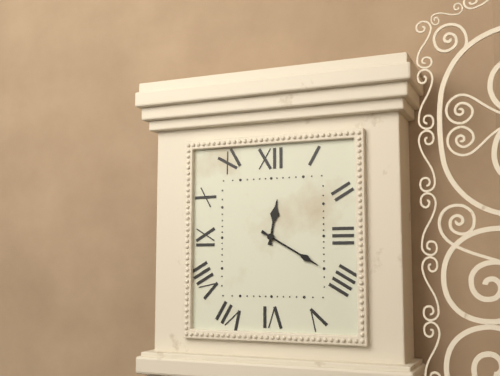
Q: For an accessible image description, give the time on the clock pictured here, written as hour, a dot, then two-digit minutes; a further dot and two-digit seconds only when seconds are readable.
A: 12.20
